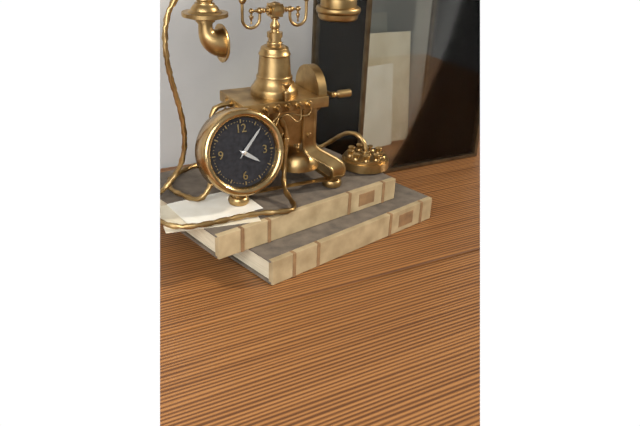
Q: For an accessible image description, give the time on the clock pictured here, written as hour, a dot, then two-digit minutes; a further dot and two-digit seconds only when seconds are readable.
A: 4.07
